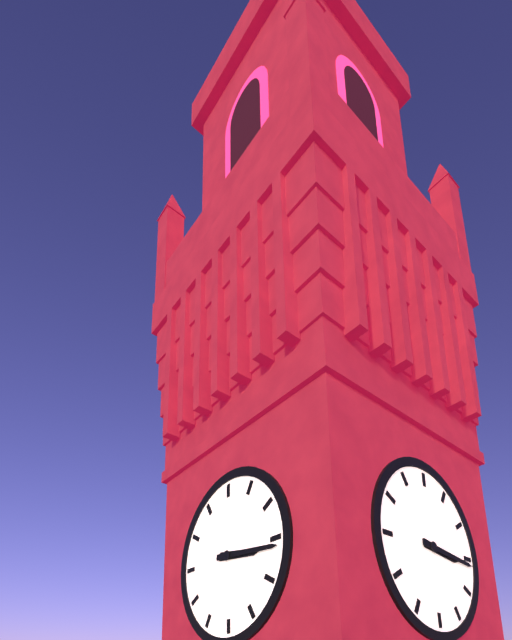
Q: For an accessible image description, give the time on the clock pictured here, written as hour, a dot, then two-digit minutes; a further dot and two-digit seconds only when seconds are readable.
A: 3.16
